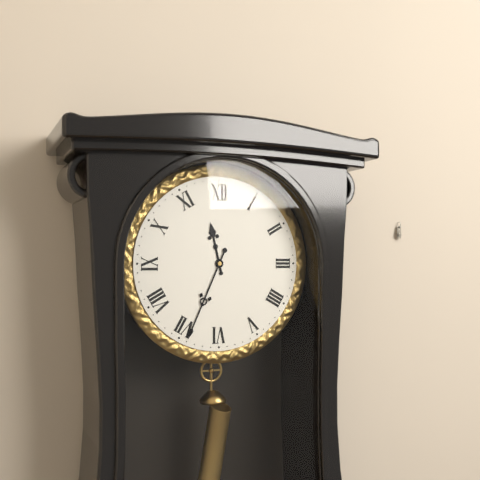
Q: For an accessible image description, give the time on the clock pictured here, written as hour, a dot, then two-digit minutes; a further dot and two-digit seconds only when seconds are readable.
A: 11.34
